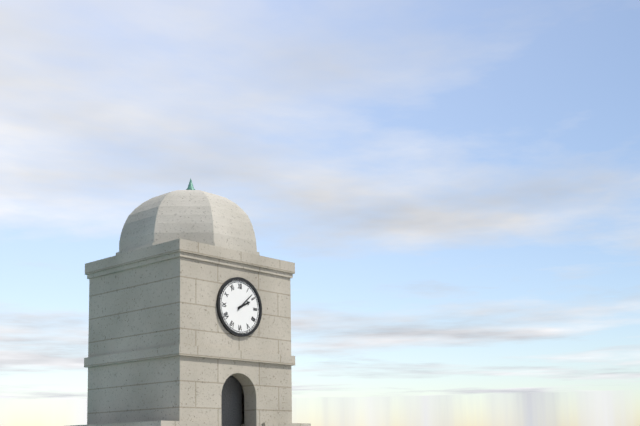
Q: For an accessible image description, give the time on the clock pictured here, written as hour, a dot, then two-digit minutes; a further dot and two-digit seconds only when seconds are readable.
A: 2.08
